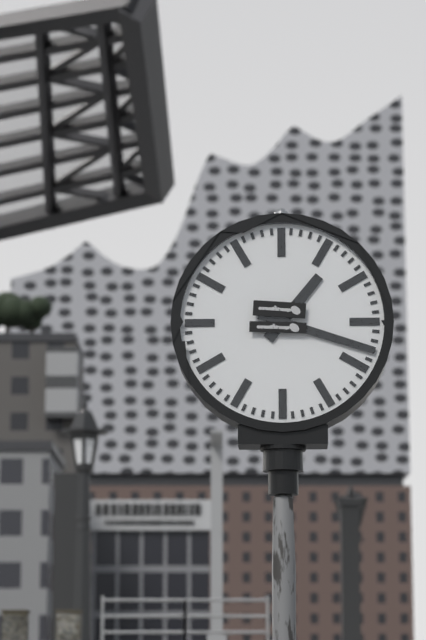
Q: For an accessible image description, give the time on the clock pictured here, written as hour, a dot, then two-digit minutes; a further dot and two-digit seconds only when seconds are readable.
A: 1.18
